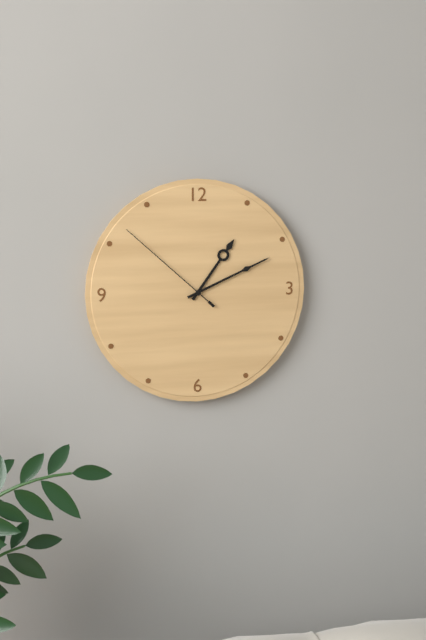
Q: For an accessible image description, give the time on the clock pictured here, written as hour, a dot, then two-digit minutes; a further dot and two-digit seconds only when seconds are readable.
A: 1.11.52
